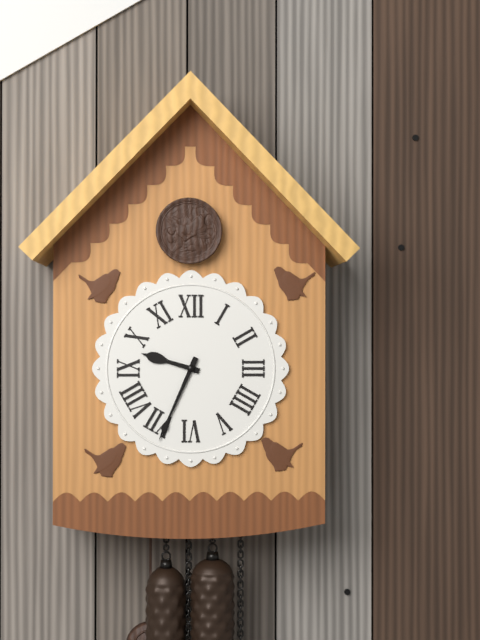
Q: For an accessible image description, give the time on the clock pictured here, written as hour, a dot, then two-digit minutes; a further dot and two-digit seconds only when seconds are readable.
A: 9.34
